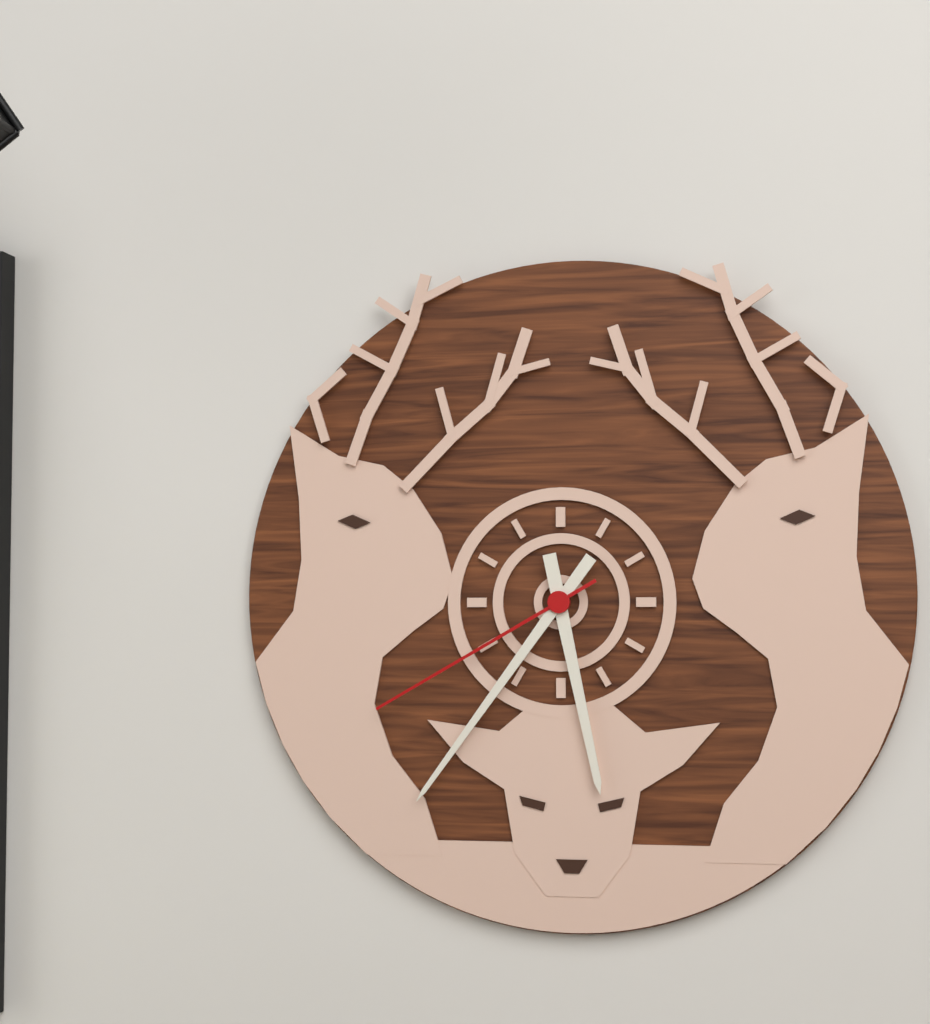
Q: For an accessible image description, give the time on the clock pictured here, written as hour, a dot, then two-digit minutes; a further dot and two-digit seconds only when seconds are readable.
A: 5.36.40
